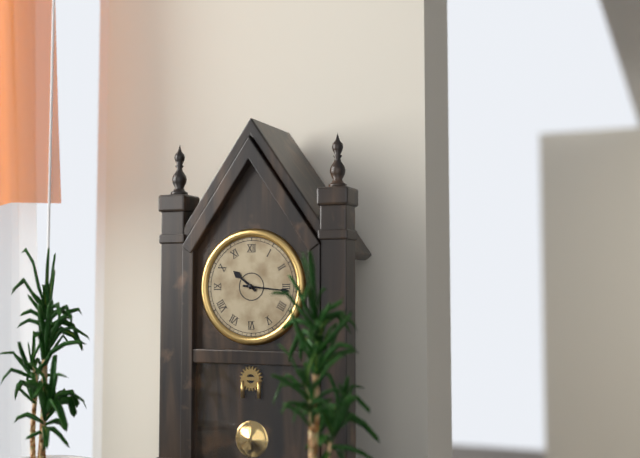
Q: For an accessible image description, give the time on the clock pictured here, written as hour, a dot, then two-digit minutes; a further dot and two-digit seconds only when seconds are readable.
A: 10.16
